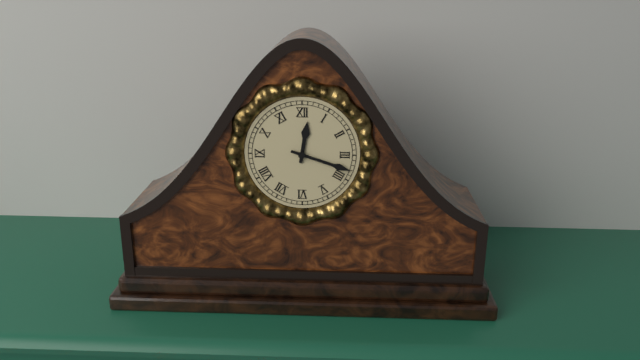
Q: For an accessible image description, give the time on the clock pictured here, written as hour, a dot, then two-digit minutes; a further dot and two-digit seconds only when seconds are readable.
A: 12.18
